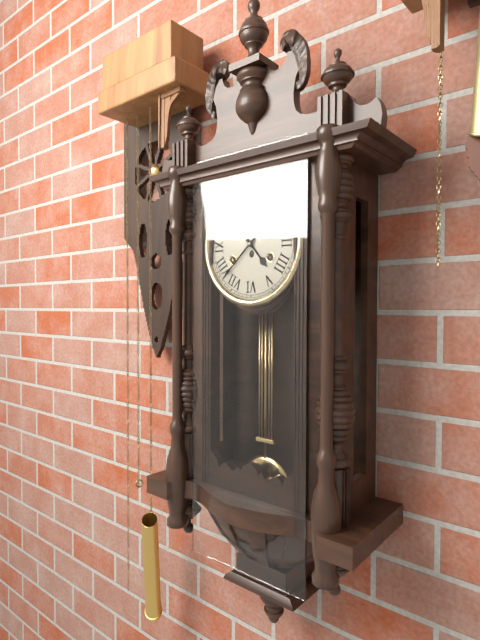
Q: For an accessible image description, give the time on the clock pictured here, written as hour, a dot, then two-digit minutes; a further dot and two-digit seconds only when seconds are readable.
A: 4.38
